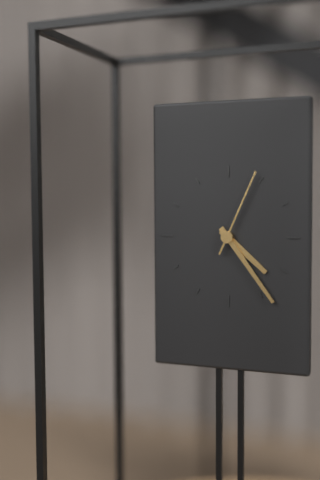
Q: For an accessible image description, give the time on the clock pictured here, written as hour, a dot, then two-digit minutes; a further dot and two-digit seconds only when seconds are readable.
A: 4.24.04
